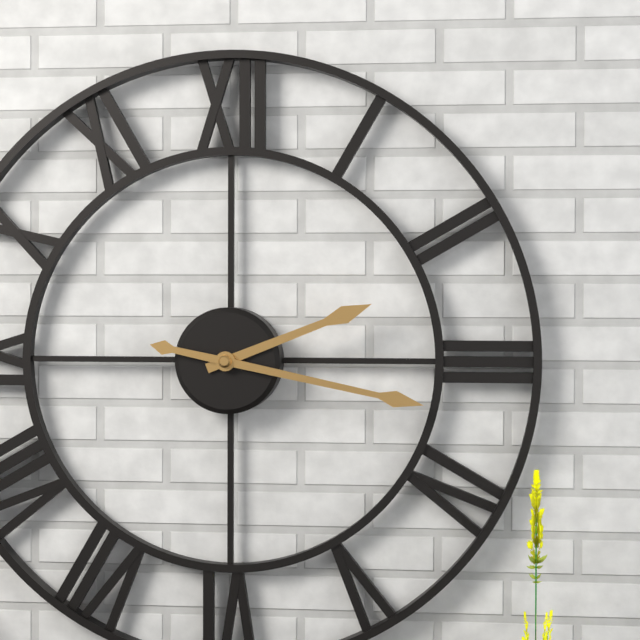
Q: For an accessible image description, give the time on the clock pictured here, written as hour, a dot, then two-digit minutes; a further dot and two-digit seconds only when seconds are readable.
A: 2.17
